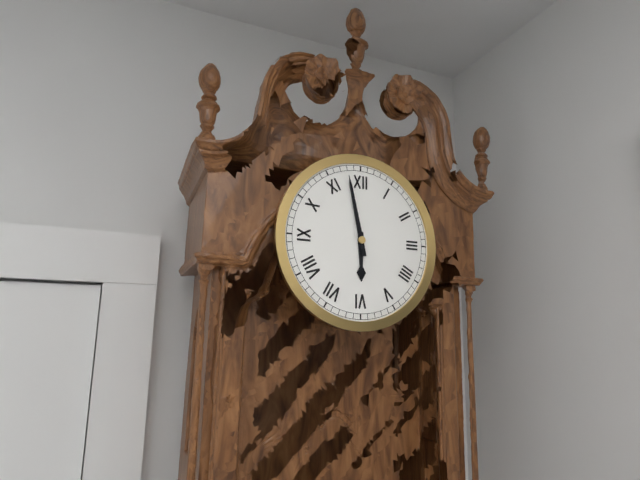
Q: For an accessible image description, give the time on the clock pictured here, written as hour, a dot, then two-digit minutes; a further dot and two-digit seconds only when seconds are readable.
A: 5.58
